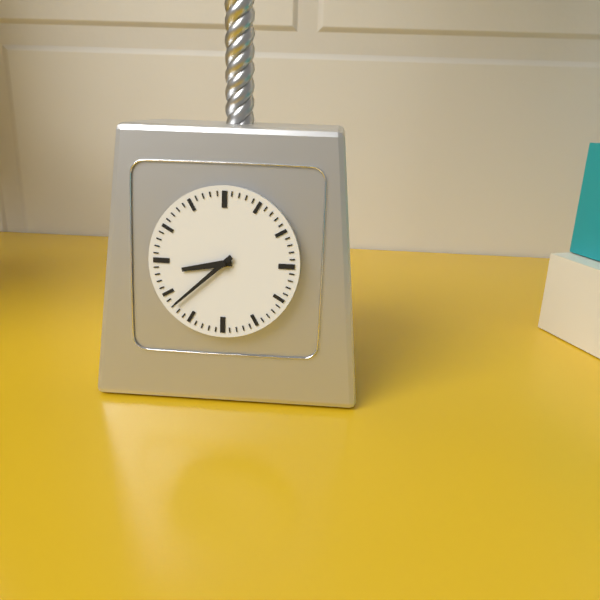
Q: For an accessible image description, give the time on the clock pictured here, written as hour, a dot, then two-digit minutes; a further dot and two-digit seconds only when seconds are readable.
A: 8.38
